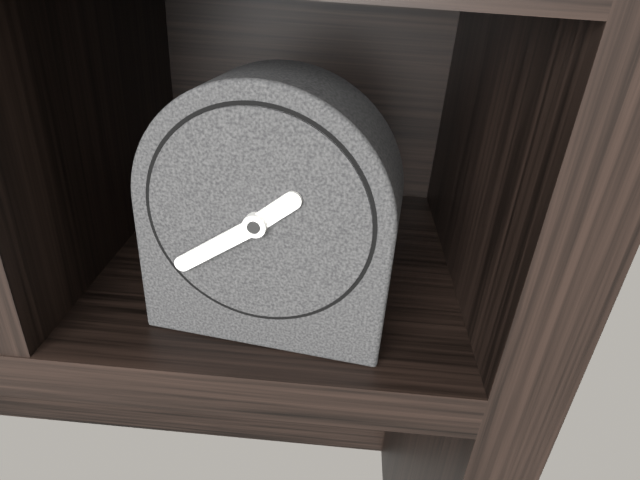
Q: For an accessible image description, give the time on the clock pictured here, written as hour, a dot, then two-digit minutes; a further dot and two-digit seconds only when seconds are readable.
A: 1.39
